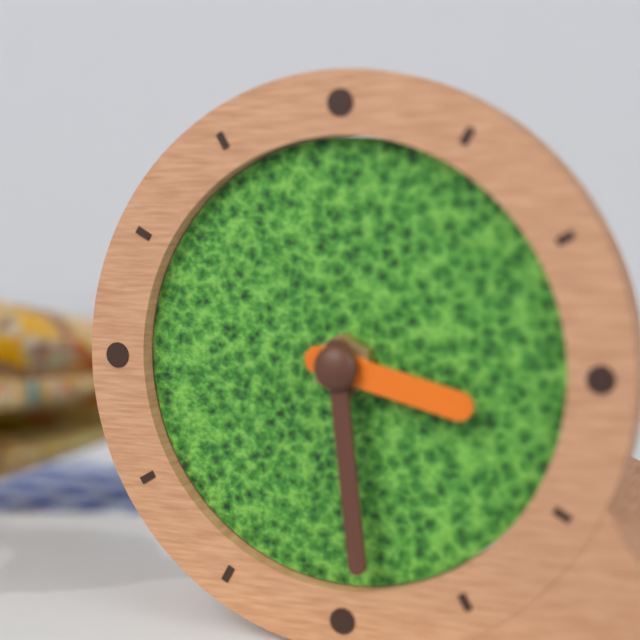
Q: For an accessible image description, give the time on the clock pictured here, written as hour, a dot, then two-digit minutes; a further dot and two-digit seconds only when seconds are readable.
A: 3.29
